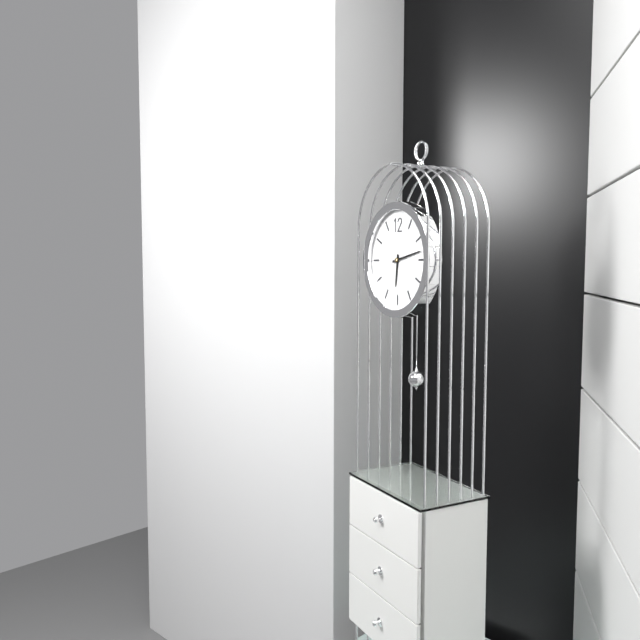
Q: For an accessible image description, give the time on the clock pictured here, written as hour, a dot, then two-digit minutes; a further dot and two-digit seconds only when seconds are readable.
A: 6.13
